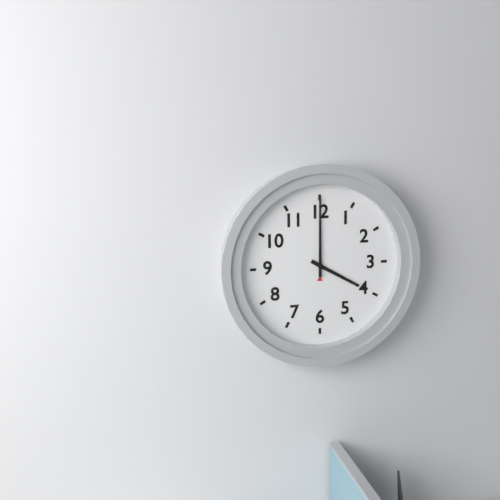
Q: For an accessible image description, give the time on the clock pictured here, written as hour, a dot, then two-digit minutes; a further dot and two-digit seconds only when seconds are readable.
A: 4.00
